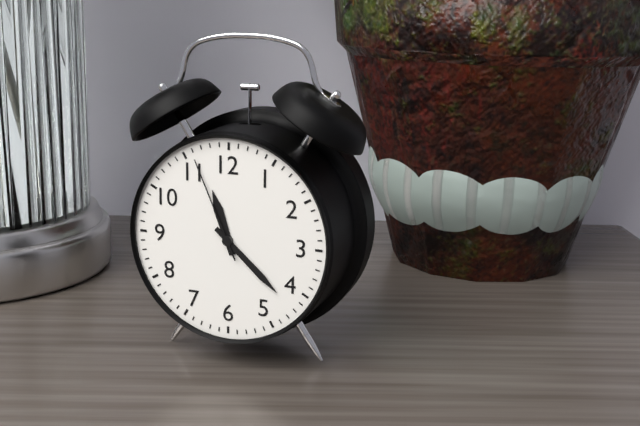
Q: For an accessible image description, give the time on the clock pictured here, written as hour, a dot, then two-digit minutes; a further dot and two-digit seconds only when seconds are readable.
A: 11.22.56
